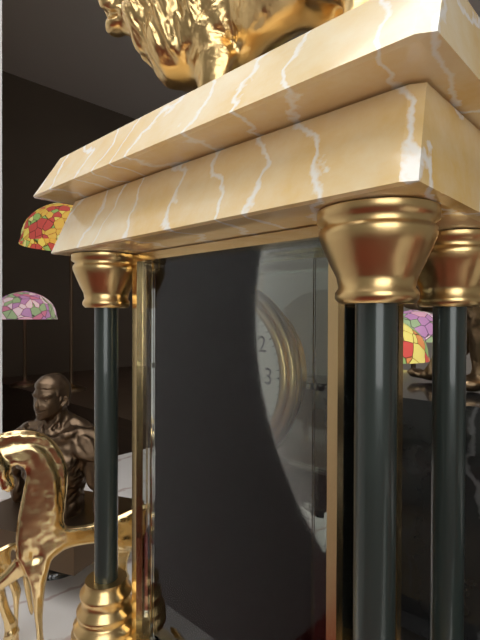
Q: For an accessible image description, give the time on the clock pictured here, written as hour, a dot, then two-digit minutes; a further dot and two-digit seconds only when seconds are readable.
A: 8.21
